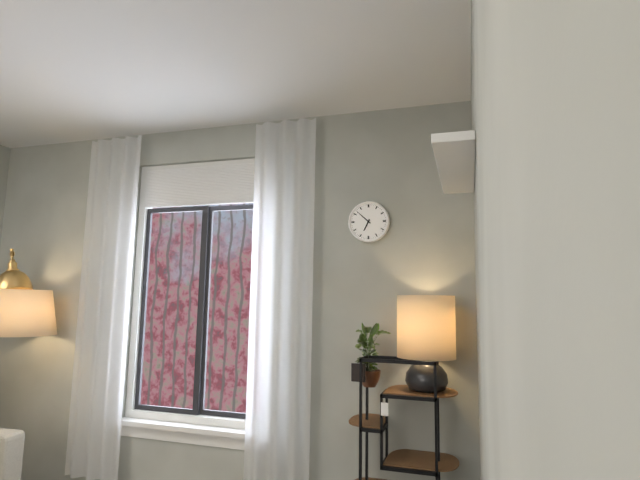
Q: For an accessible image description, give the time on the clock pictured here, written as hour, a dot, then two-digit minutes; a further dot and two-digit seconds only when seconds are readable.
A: 6.52
